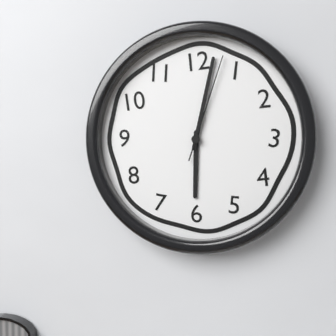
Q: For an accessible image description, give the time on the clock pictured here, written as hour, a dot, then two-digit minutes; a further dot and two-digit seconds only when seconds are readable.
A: 6.02.03
